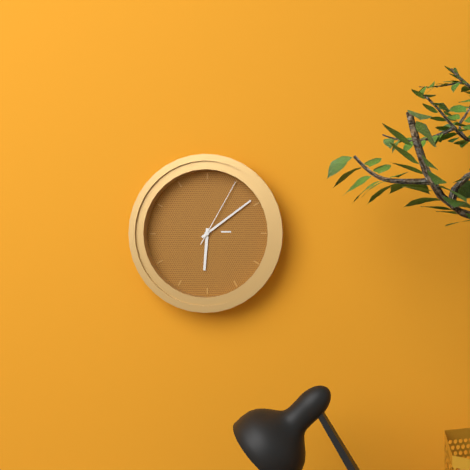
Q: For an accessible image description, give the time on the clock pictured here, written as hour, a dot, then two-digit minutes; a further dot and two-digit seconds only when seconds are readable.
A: 6.09.05
